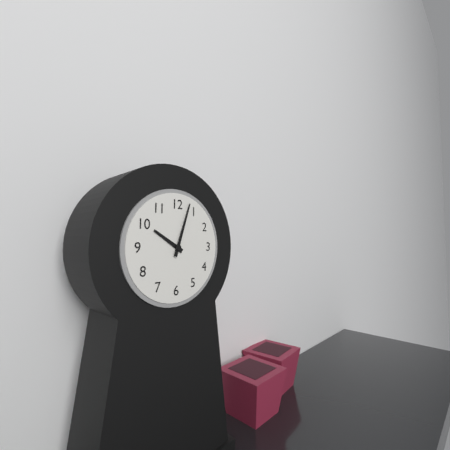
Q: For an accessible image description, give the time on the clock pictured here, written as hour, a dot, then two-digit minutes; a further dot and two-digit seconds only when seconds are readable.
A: 10.03
